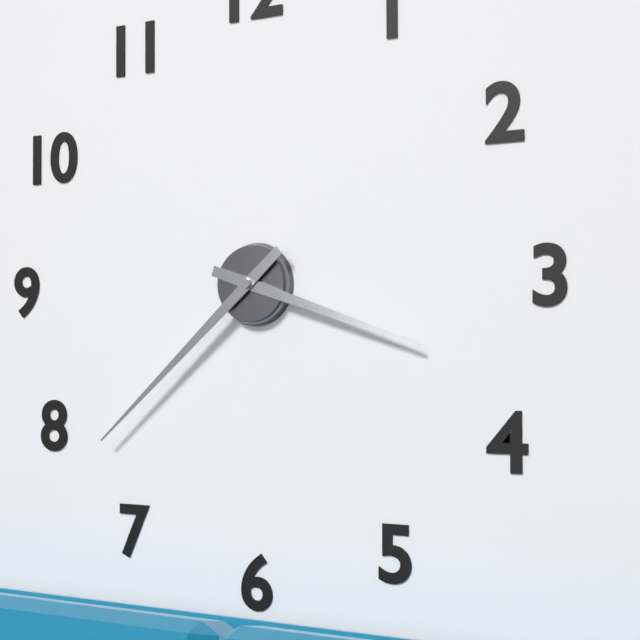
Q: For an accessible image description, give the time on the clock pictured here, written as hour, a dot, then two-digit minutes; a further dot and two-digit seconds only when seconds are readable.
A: 3.38
